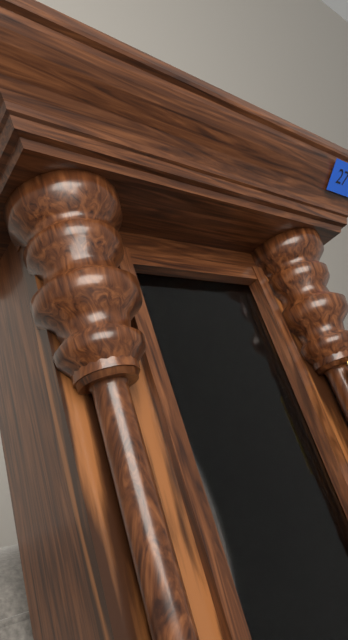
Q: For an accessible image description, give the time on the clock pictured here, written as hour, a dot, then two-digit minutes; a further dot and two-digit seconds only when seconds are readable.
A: 6.30
